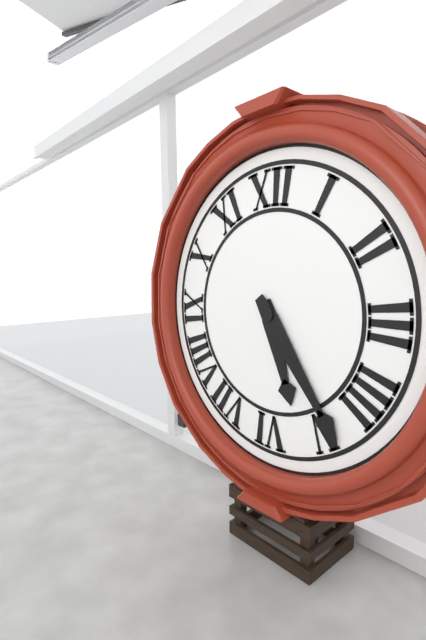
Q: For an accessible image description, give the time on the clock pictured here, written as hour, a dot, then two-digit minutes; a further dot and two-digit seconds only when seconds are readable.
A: 5.24
